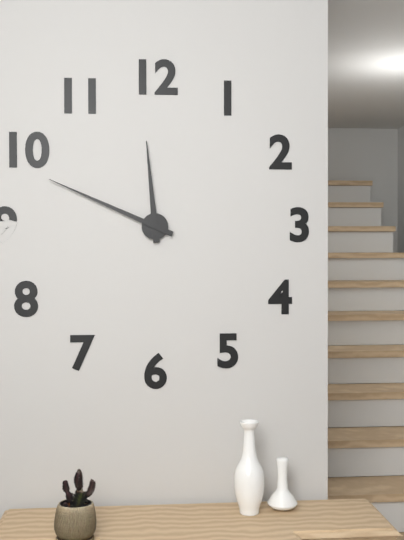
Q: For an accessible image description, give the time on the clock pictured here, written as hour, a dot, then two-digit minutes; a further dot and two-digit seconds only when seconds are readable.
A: 11.49
